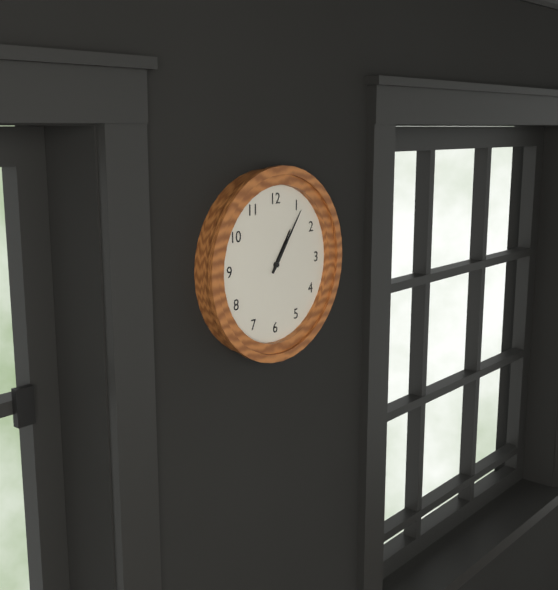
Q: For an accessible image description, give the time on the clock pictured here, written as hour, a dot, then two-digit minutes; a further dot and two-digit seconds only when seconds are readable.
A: 1.06
